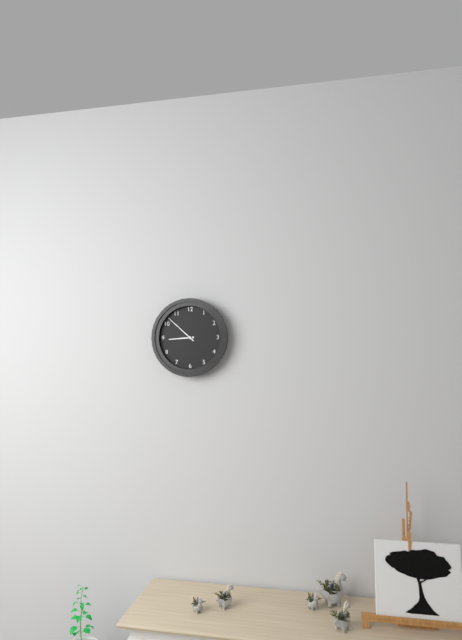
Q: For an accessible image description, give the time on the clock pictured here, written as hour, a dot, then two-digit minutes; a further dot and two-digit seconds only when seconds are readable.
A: 8.52
